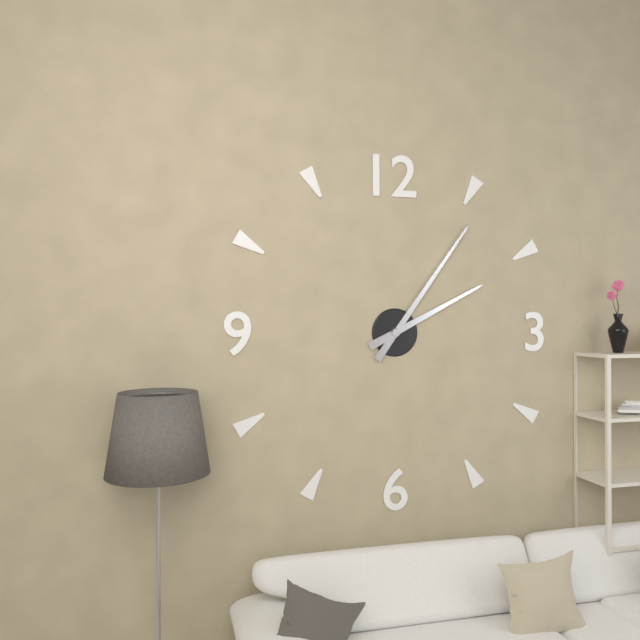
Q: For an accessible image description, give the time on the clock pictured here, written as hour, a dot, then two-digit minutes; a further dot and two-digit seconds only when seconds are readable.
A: 2.06
